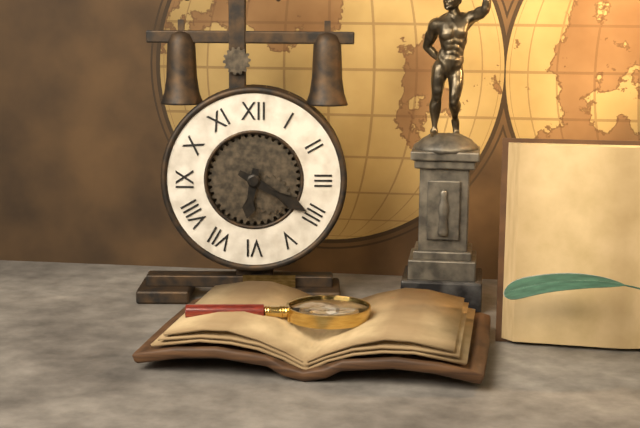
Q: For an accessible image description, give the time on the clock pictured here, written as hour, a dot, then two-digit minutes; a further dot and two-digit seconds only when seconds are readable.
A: 6.20
